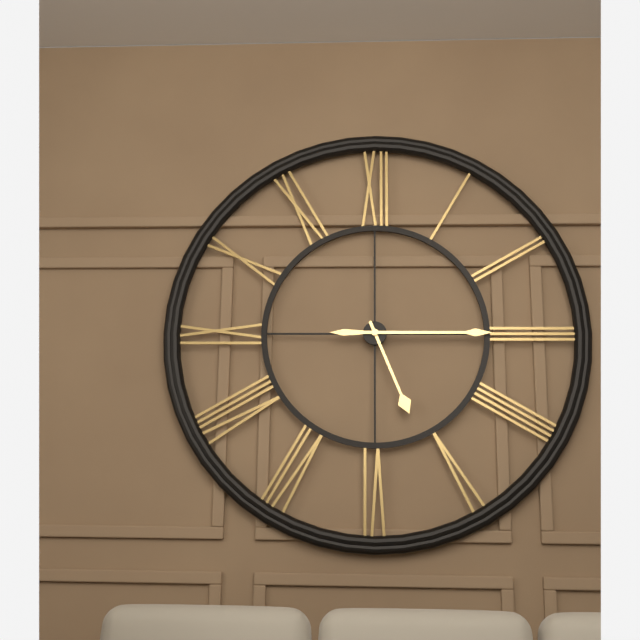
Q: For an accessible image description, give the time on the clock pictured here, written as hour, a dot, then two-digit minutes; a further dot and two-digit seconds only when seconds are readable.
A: 5.15
